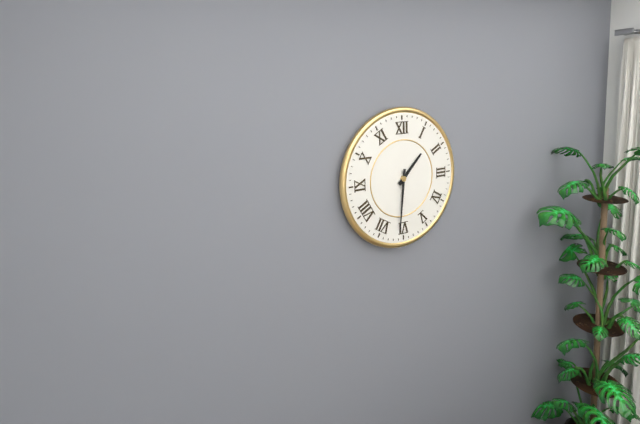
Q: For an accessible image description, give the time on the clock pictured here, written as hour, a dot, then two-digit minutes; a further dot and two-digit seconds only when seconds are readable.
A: 1.31
